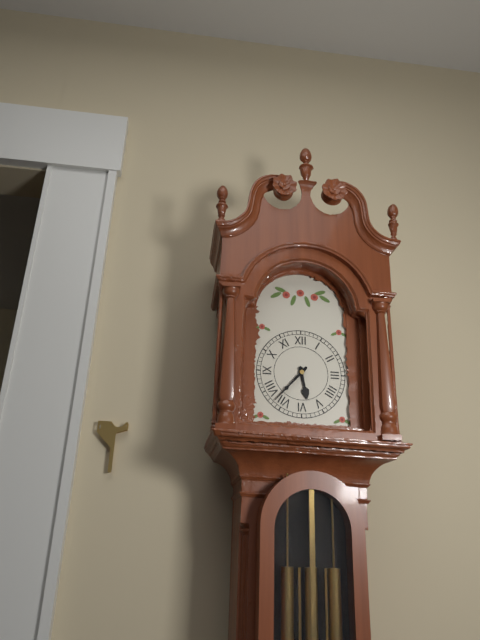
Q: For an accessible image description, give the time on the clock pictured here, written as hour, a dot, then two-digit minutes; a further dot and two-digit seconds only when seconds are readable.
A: 5.37
